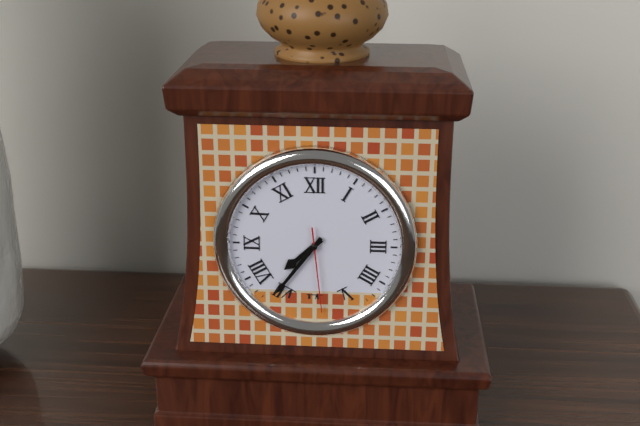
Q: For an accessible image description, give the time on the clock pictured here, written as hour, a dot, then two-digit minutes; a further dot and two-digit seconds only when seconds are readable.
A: 7.36.29
